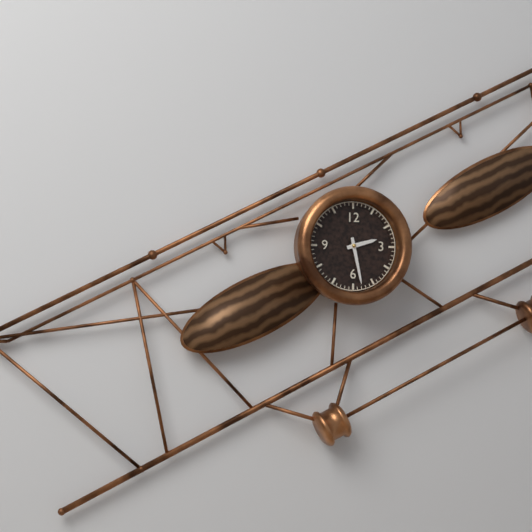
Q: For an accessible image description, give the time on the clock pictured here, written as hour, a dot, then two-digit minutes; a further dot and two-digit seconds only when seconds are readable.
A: 2.28
